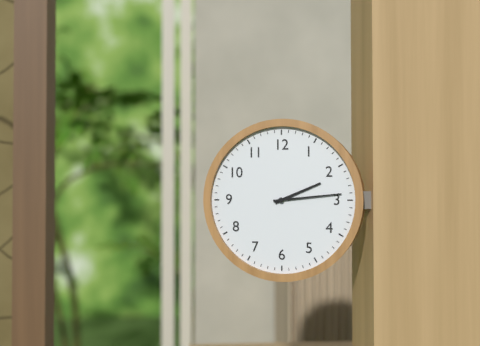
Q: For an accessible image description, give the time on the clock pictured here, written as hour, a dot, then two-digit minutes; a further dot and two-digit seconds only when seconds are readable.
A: 2.14
